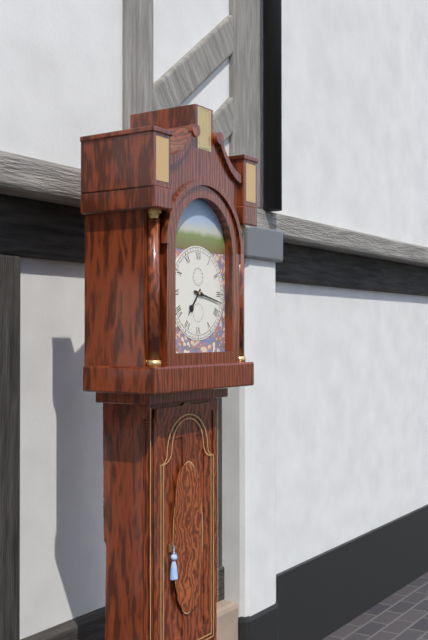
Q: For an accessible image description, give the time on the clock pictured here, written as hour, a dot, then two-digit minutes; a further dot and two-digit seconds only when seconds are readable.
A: 7.17
